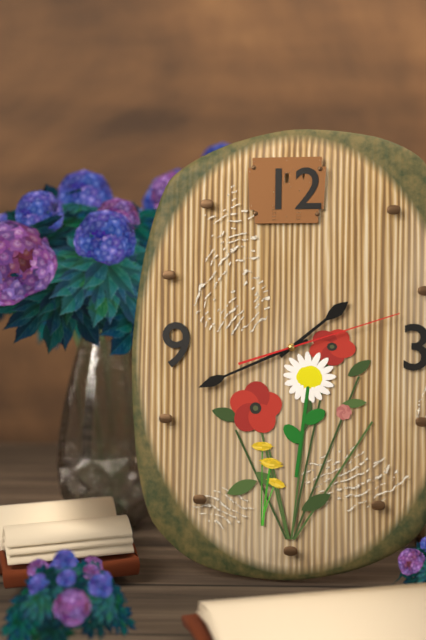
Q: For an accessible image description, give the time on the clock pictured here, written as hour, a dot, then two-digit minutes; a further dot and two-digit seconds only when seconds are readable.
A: 1.41.12
